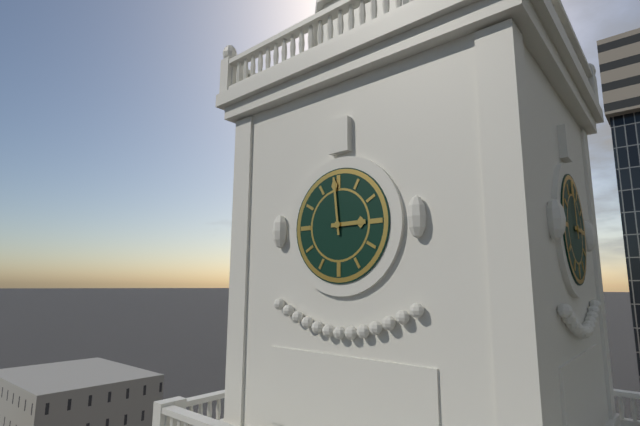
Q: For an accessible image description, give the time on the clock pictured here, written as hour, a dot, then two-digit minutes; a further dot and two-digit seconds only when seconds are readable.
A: 2.59
